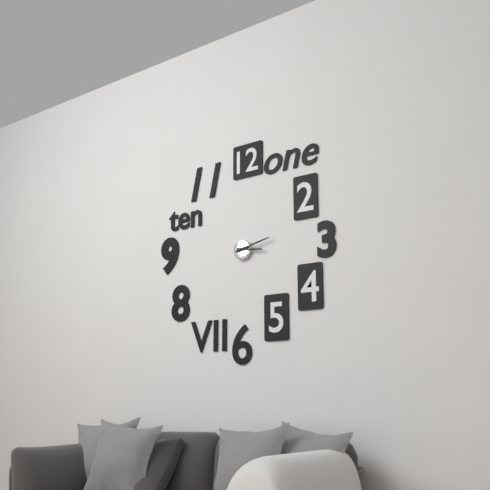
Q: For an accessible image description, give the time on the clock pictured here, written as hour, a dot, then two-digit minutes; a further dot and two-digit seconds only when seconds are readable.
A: 3.13
